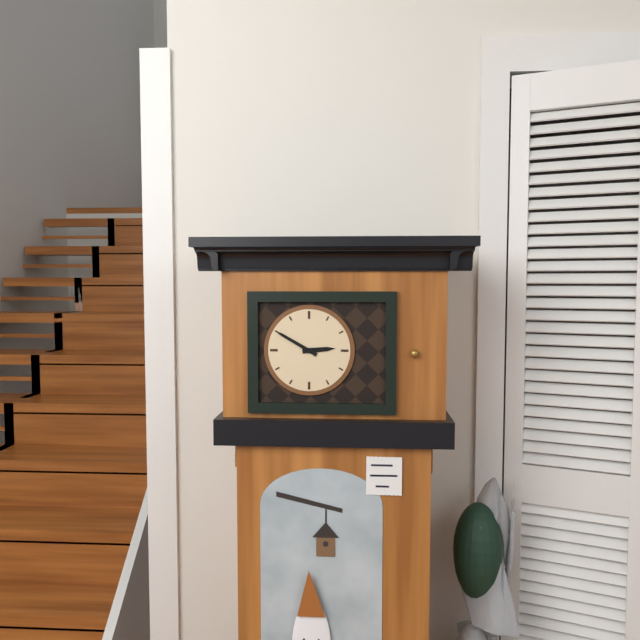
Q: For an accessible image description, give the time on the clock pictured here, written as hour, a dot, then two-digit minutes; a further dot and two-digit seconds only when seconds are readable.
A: 2.50
